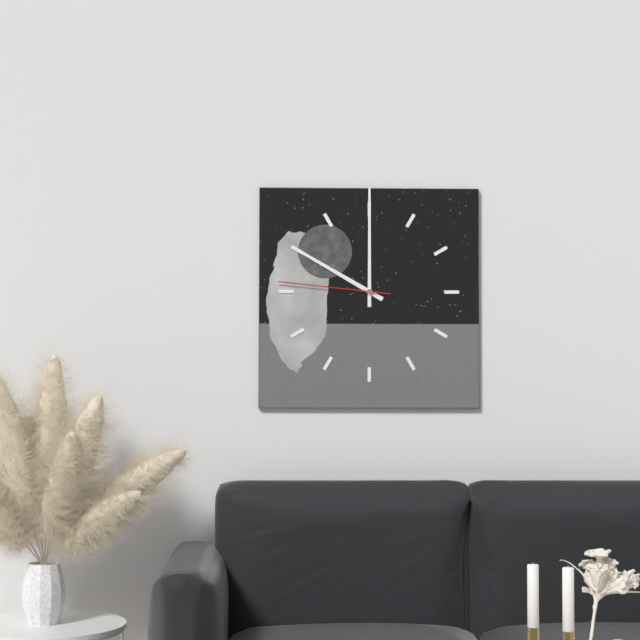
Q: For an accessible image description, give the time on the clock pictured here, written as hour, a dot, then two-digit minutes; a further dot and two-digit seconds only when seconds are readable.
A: 10.00.46
